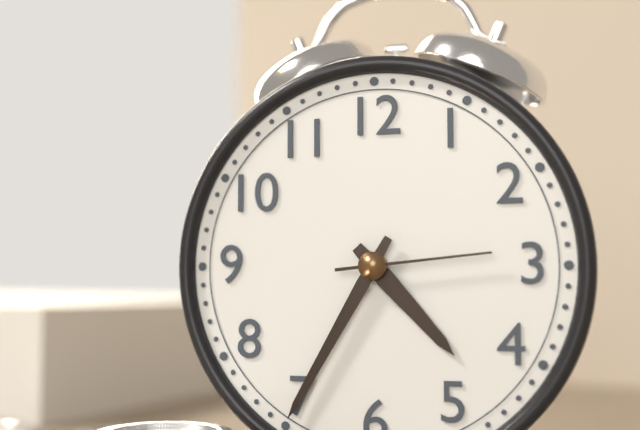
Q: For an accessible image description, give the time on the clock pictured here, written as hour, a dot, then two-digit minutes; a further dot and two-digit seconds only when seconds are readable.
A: 4.35.14
